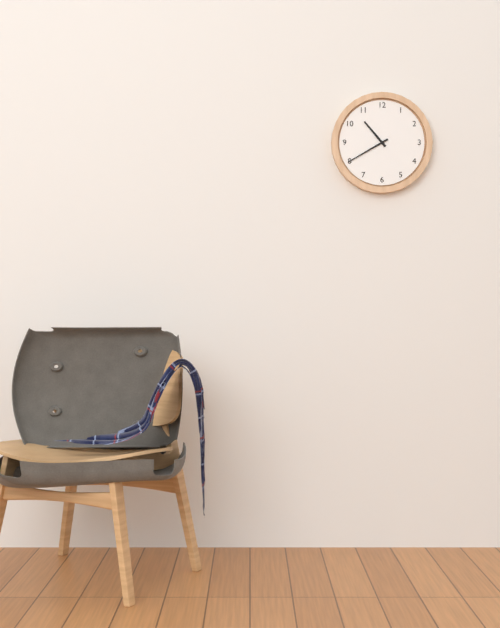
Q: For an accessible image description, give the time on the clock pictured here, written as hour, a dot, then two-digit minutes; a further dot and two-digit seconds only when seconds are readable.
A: 10.40
